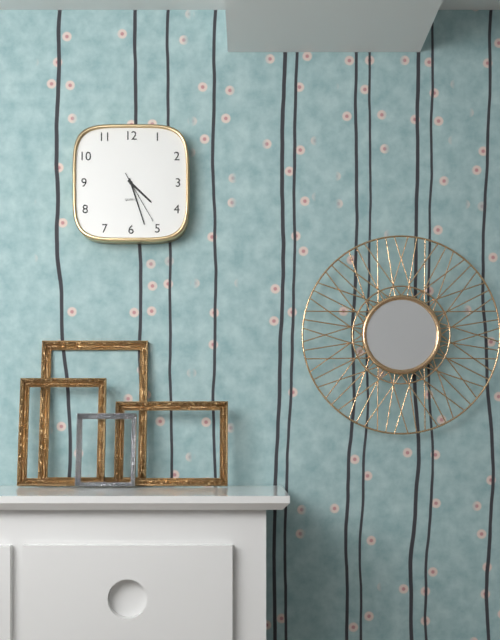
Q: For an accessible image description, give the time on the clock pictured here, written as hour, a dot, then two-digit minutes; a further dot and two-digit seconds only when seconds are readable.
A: 4.27
